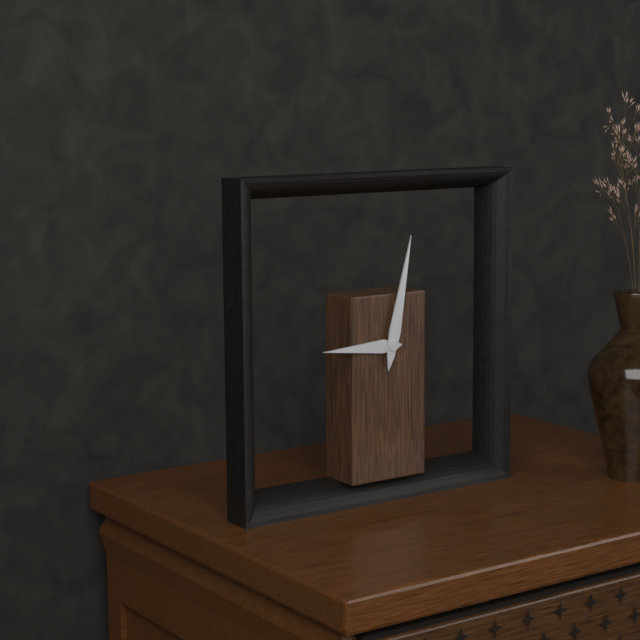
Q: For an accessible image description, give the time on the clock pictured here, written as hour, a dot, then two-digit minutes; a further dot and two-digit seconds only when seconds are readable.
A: 9.02
